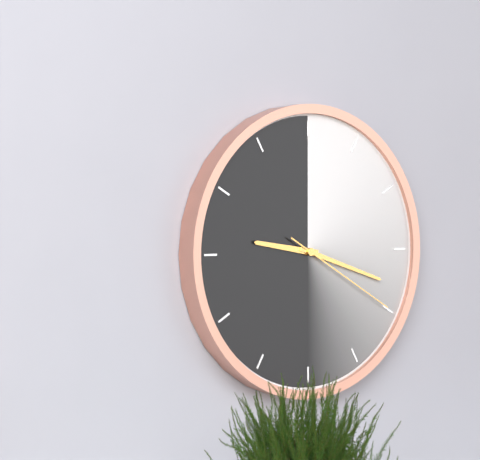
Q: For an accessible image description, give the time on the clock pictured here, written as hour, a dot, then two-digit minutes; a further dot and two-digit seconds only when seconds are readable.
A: 9.18.20
